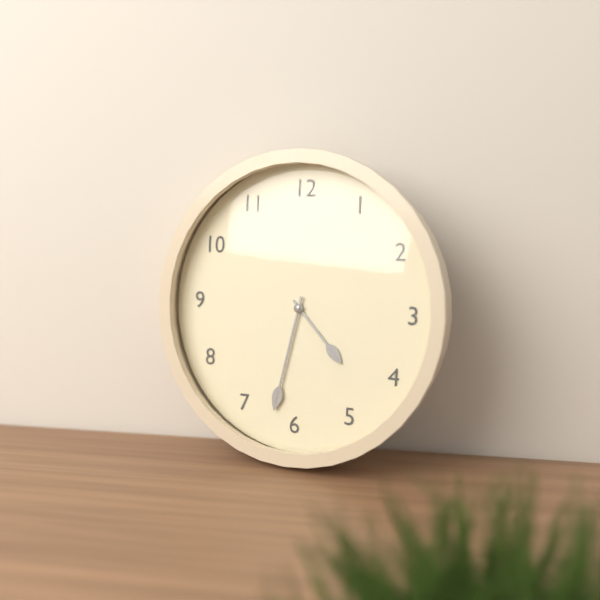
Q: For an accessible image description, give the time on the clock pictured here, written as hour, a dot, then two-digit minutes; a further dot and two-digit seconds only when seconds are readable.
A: 4.32
